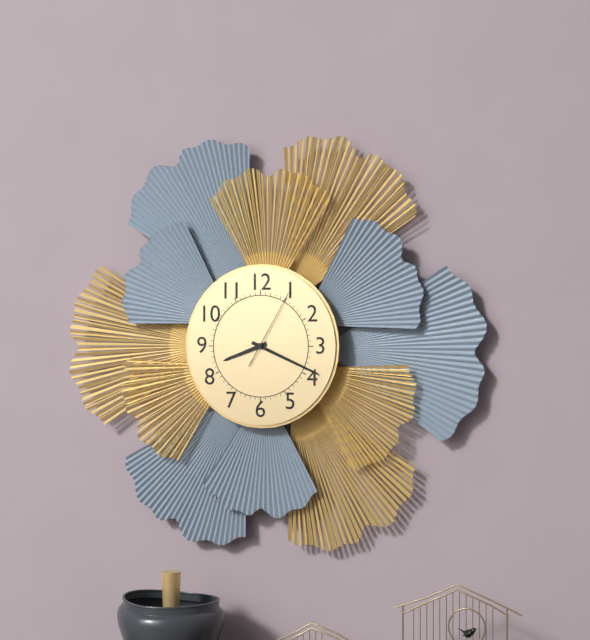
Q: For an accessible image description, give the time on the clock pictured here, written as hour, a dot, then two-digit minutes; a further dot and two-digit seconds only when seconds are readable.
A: 8.19.05
